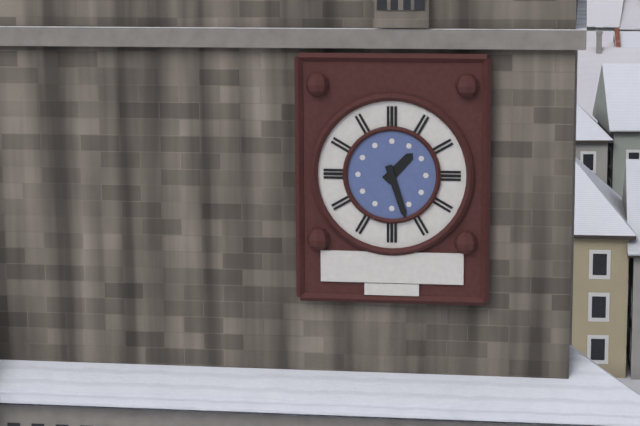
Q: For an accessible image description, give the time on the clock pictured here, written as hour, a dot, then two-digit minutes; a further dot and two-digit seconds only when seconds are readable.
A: 1.27
